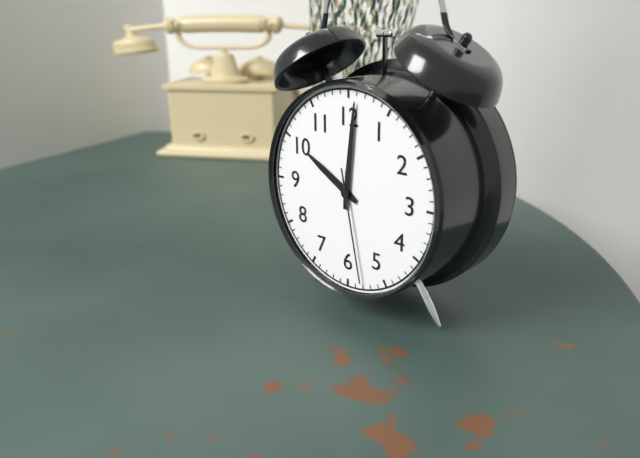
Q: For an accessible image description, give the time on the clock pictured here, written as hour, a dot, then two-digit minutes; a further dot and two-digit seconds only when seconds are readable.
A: 10.01.28
